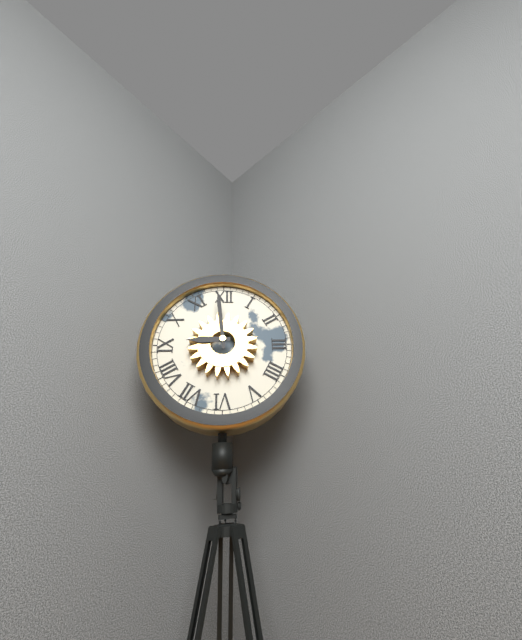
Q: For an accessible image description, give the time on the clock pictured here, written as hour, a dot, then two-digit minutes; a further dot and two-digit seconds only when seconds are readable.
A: 8.59
